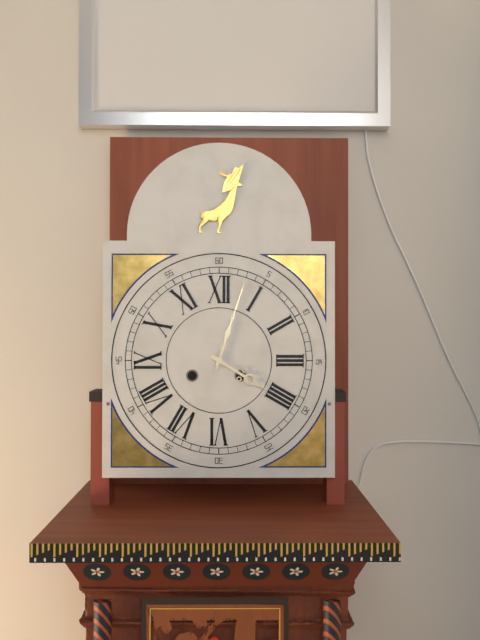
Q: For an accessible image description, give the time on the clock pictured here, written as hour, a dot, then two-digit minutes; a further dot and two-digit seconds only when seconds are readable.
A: 4.03
